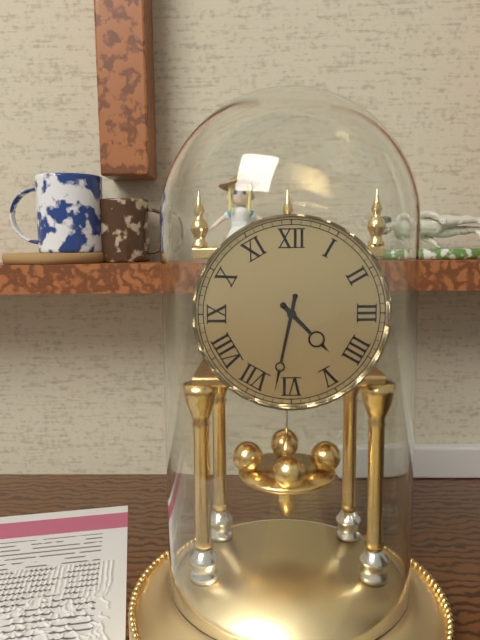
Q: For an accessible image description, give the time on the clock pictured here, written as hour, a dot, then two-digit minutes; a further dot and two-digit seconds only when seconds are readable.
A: 4.32
